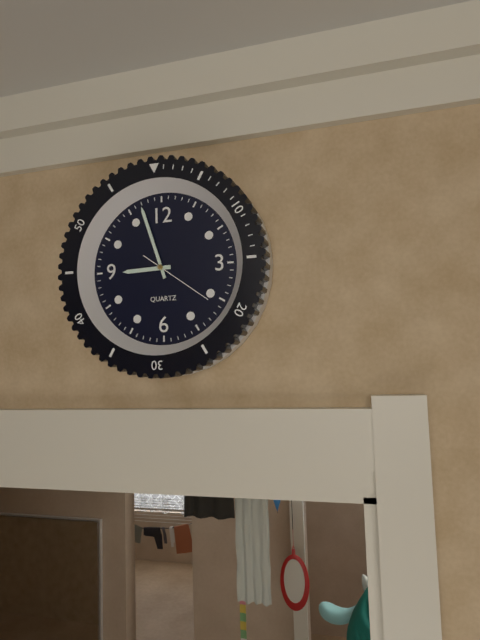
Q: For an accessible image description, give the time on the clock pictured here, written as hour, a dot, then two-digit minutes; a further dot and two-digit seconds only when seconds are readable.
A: 8.57.21
